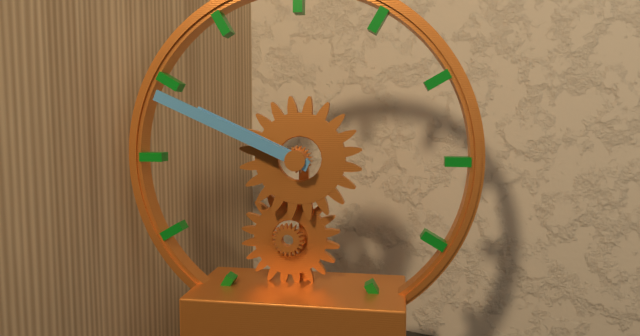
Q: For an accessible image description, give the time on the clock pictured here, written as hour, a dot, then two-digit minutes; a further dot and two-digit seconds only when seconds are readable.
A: 9.49
